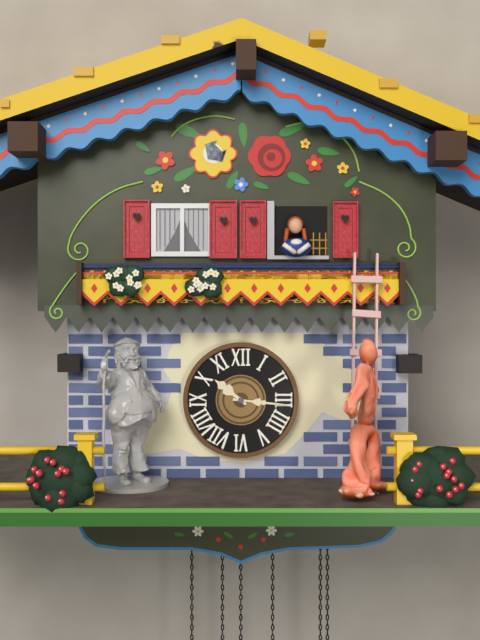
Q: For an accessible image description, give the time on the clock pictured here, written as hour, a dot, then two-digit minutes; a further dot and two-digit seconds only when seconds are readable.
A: 10.16
